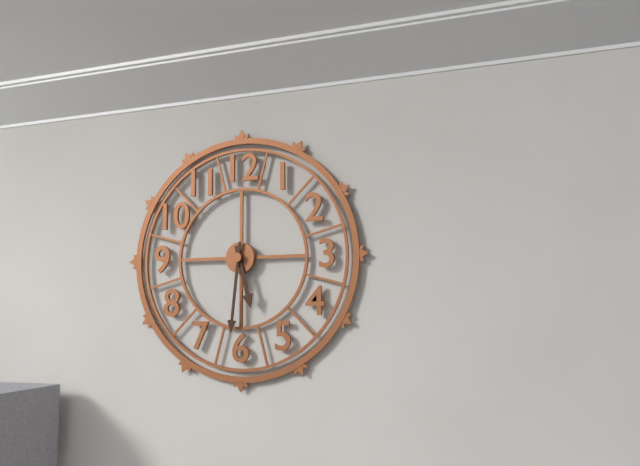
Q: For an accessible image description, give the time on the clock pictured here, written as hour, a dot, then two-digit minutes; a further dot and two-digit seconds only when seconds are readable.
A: 5.31
